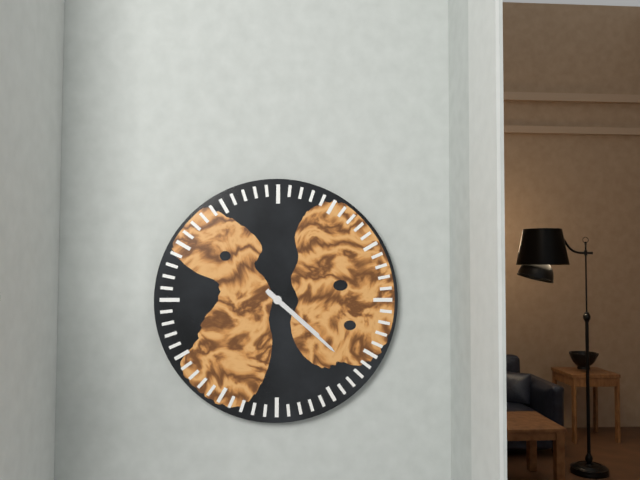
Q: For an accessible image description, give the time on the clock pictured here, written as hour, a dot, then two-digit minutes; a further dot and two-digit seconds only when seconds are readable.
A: 4.22
